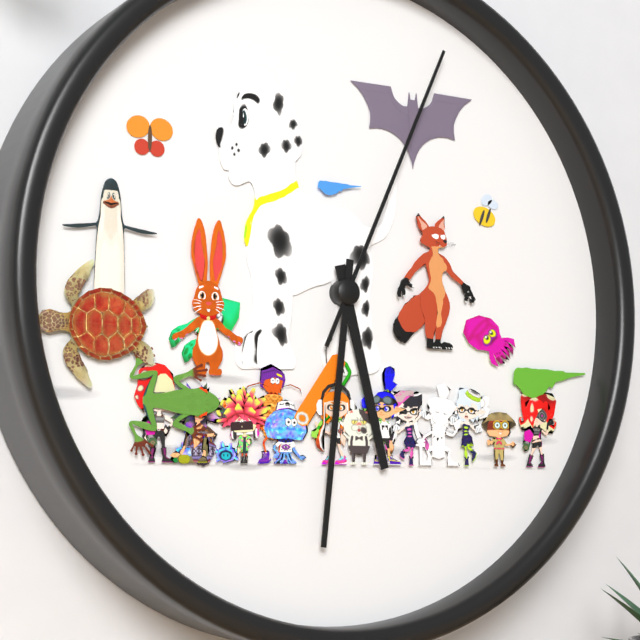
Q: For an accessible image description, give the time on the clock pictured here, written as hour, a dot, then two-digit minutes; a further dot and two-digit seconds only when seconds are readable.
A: 5.31.04
